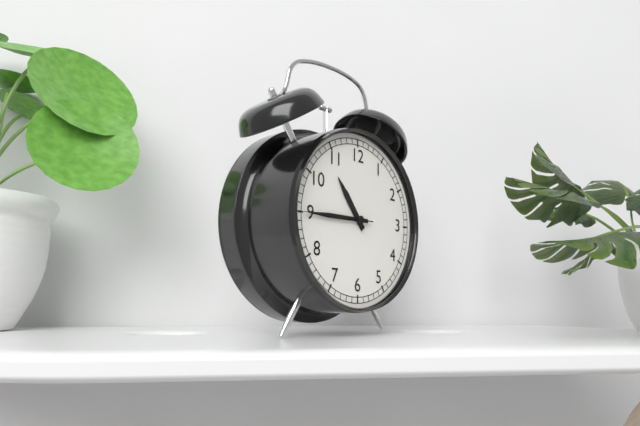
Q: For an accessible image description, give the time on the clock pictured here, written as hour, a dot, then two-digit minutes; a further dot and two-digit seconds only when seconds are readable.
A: 10.45.45
